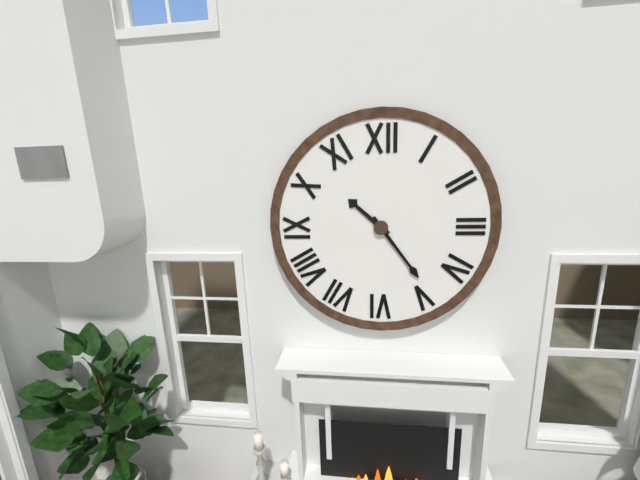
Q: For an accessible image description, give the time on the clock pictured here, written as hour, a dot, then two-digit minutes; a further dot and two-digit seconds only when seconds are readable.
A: 10.24
